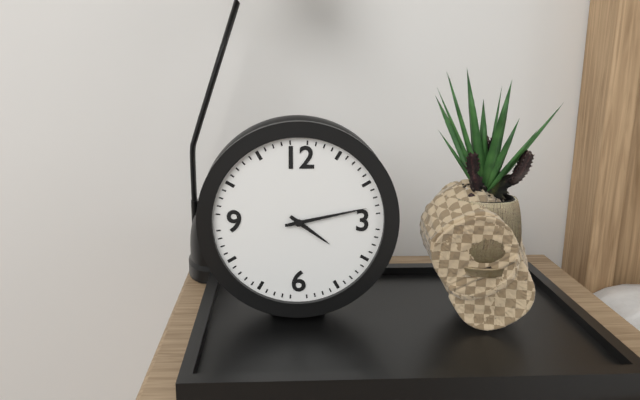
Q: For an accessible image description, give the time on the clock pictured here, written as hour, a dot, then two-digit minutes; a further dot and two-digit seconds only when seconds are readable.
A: 4.13
